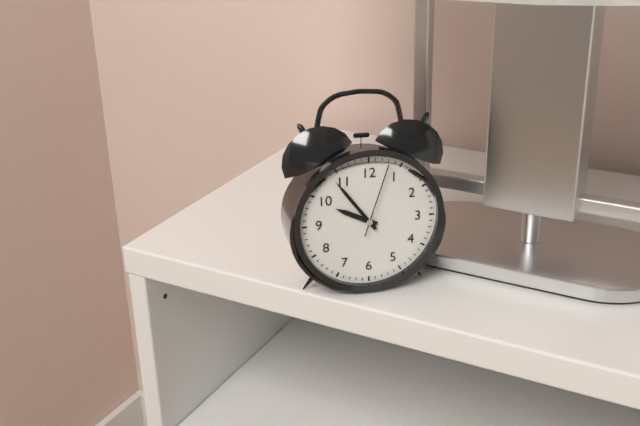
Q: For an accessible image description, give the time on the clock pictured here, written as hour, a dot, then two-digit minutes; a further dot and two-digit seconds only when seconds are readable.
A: 9.54.03
